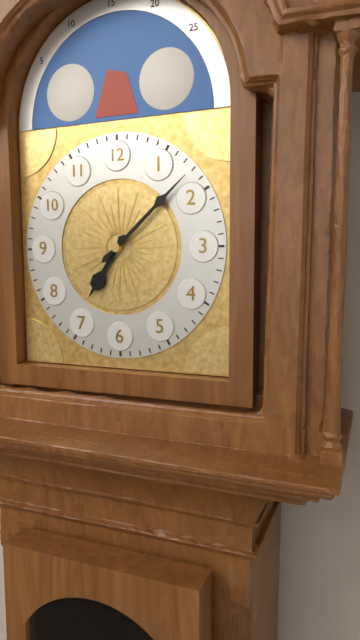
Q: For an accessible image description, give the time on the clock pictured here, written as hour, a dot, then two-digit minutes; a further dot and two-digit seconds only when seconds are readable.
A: 7.08
